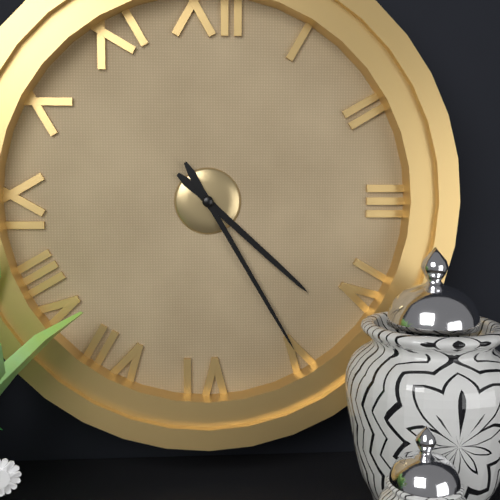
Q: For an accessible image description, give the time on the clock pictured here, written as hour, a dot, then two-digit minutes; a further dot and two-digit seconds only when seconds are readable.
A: 4.25
